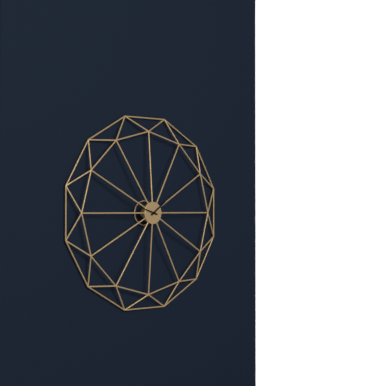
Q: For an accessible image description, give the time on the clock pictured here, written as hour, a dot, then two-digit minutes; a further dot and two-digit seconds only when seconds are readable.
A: 1.48
